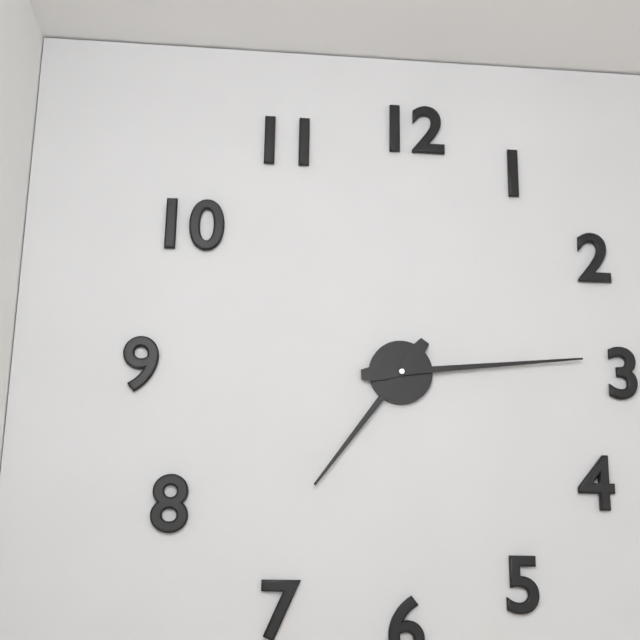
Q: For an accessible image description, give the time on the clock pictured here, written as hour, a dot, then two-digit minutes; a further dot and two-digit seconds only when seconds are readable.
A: 7.14
